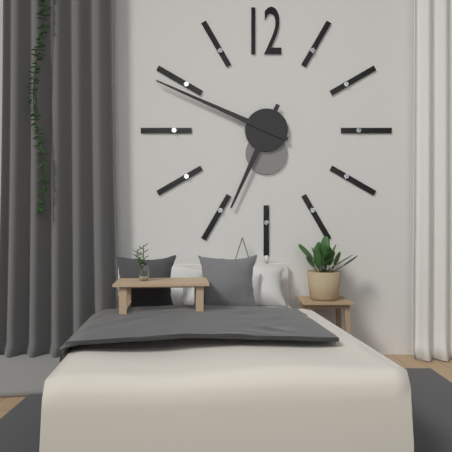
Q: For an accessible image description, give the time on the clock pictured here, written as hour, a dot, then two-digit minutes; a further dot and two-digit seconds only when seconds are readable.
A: 6.49
